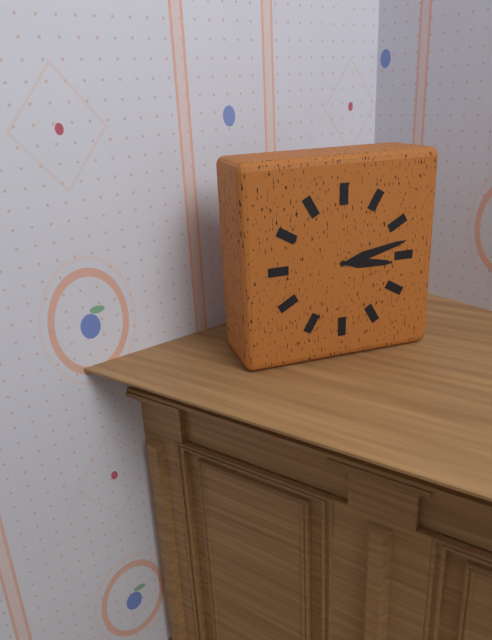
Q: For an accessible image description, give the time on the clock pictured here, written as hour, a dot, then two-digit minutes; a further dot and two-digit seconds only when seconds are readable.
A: 3.13
